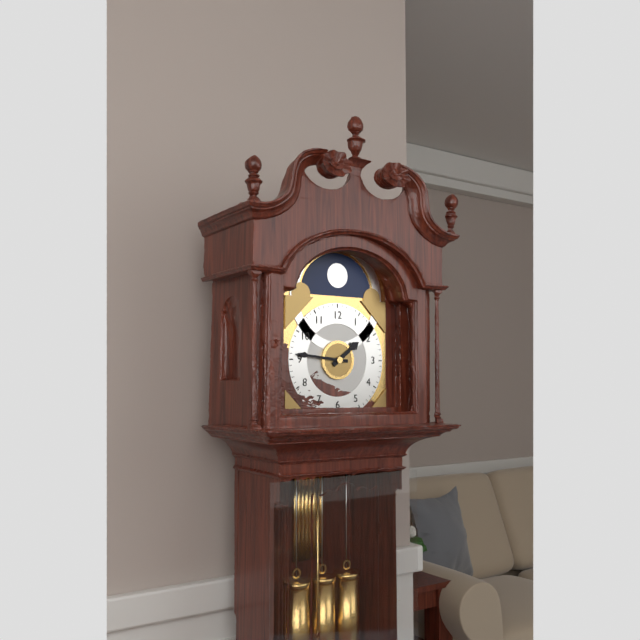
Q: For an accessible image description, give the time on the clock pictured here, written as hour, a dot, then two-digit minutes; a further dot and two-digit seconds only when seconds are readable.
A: 1.46
